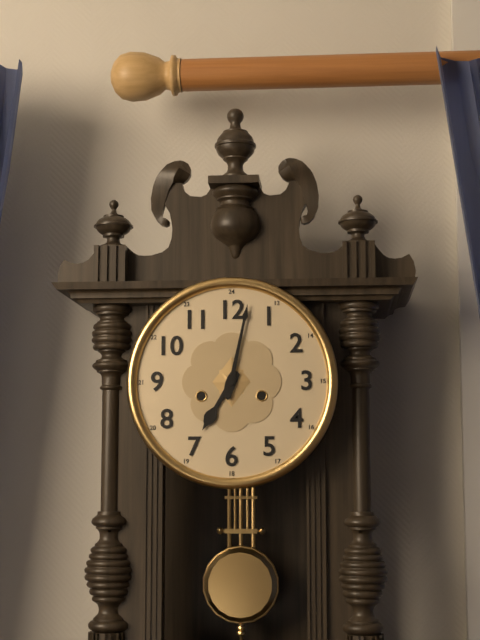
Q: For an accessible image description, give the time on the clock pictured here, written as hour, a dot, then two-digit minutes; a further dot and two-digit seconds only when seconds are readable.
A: 7.02
